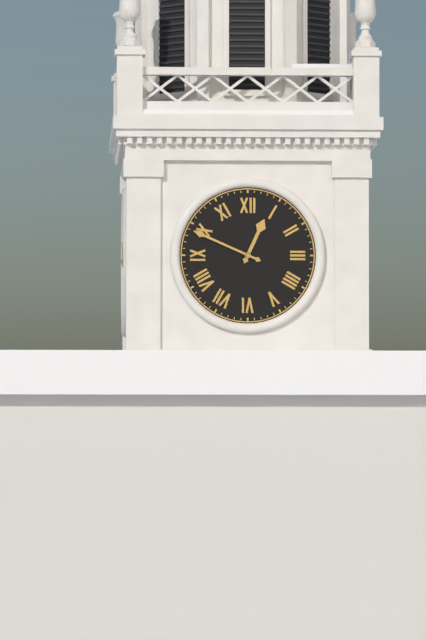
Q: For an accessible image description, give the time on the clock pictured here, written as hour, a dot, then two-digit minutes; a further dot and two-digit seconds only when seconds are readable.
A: 12.49
